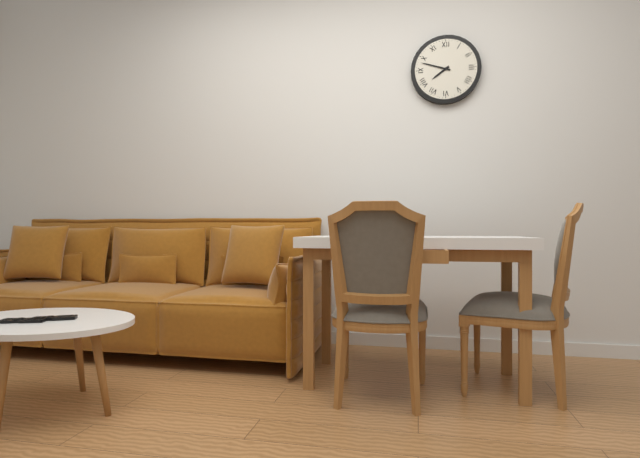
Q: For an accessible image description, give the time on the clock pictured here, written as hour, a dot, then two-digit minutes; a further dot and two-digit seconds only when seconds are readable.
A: 7.48
